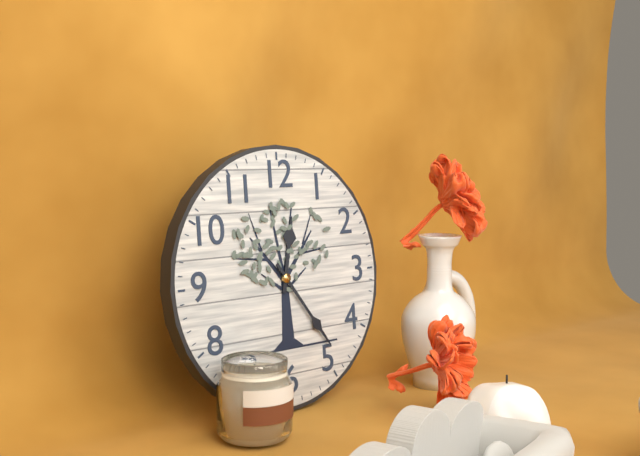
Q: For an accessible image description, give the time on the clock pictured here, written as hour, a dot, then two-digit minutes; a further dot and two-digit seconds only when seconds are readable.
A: 12.24
